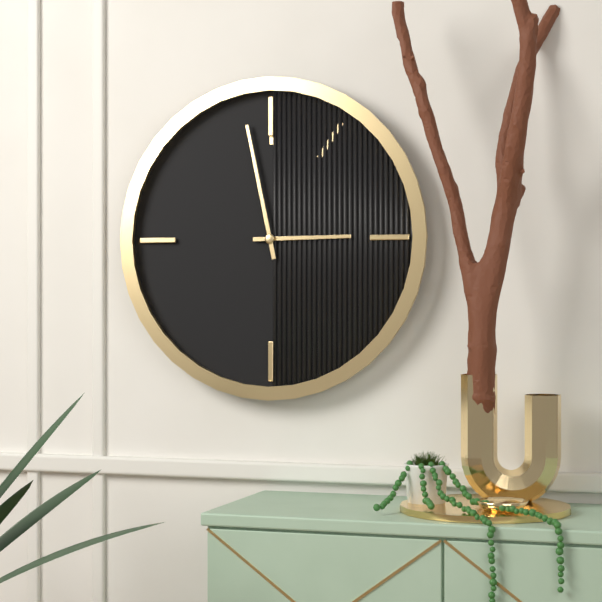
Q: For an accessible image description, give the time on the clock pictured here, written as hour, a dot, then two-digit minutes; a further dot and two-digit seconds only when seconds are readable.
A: 2.58
